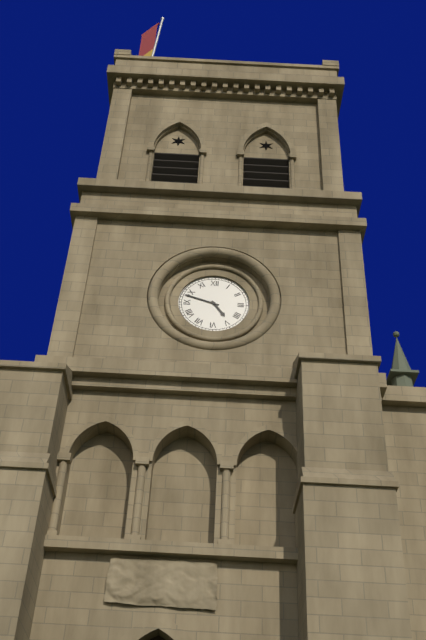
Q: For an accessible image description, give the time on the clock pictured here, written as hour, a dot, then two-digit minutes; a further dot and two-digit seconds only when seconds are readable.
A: 4.48
